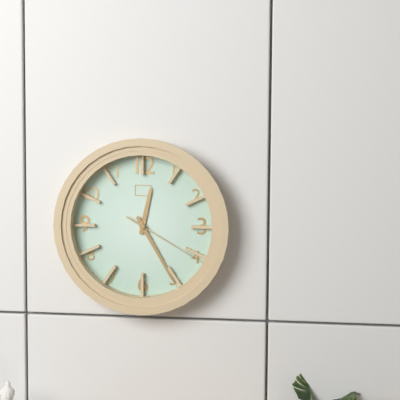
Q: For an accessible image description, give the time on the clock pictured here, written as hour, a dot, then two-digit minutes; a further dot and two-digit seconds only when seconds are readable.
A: 12.25.20
